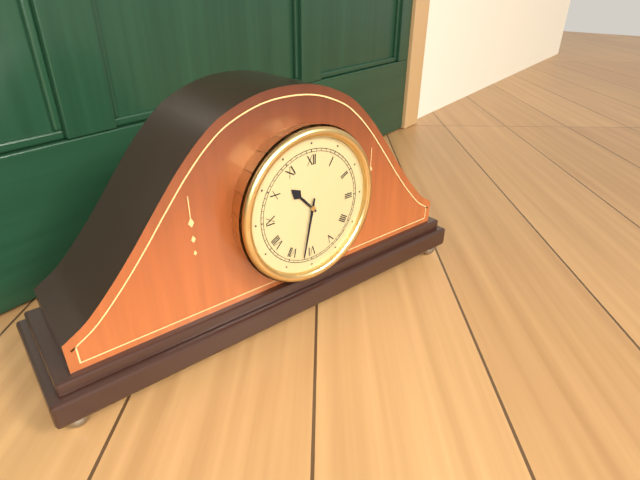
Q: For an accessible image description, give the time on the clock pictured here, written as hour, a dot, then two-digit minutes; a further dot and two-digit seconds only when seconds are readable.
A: 10.32
